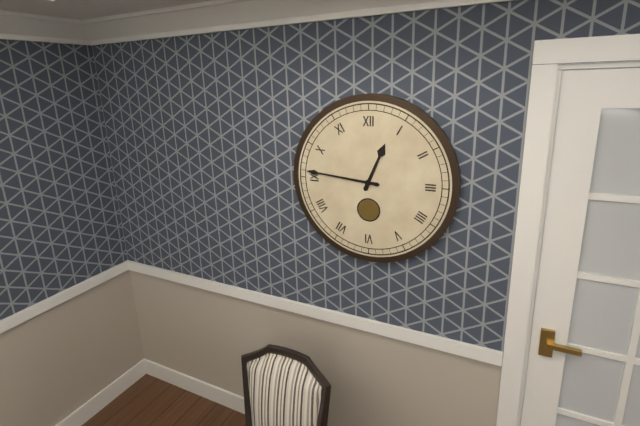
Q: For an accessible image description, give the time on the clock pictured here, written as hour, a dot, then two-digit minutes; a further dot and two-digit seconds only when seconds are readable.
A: 12.46
